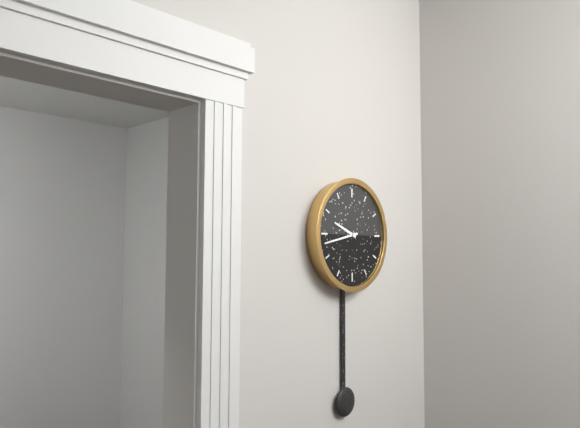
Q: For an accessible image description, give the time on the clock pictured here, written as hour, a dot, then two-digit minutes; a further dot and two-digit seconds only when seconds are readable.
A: 9.43
